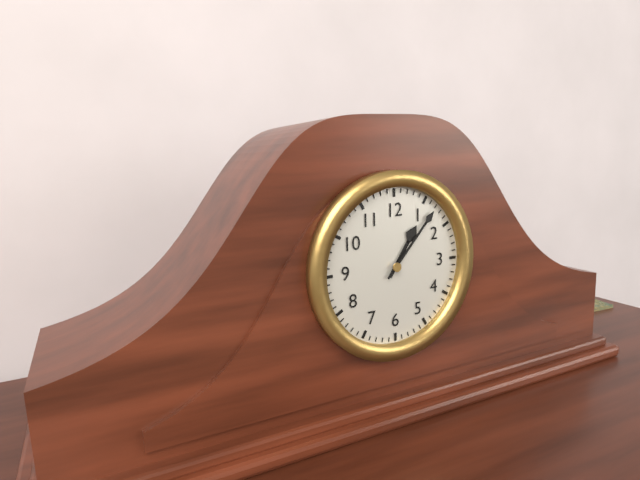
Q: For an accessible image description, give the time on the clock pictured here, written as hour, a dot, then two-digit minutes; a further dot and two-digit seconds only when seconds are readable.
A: 1.07
